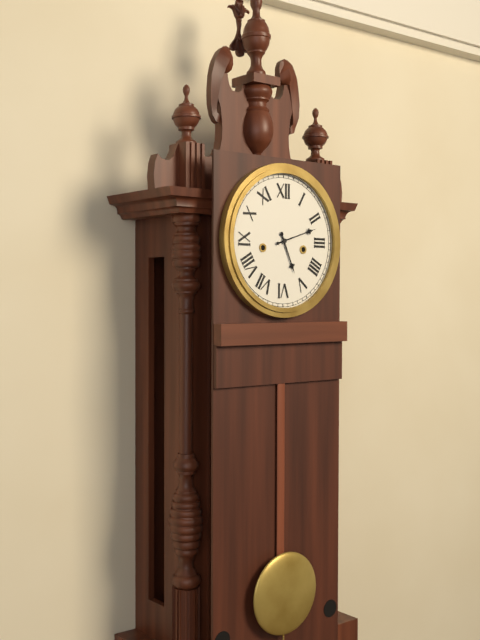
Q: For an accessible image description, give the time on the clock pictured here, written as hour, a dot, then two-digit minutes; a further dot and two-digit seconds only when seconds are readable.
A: 5.12
